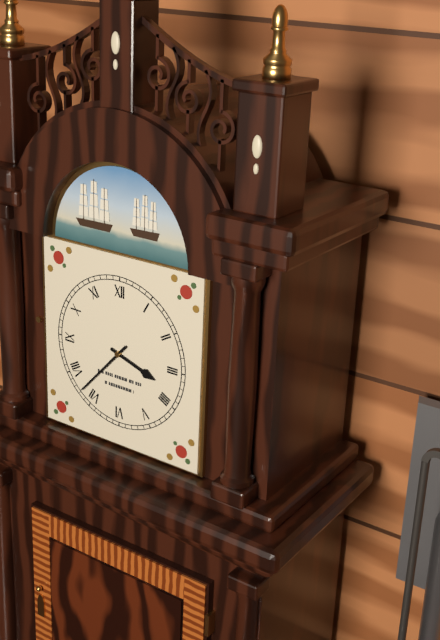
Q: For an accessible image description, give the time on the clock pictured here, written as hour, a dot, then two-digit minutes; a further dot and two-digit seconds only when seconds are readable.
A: 3.37
